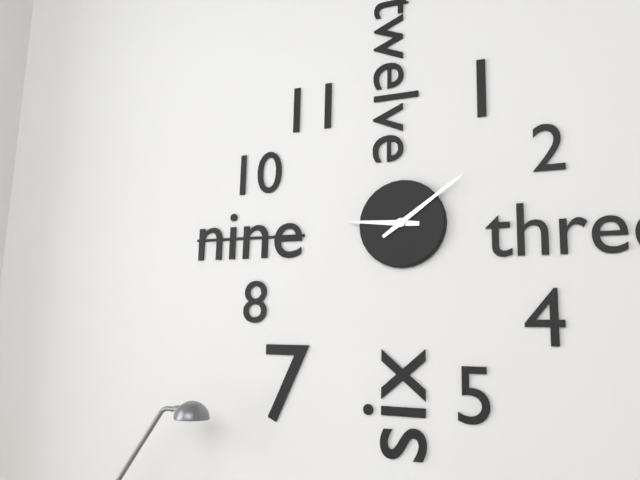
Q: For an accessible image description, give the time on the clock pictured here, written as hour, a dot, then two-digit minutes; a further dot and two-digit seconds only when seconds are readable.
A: 9.09
